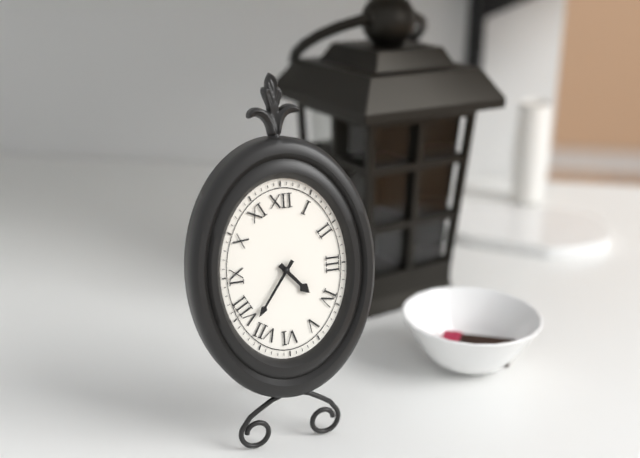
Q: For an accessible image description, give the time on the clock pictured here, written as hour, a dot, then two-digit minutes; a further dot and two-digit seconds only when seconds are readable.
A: 4.36
